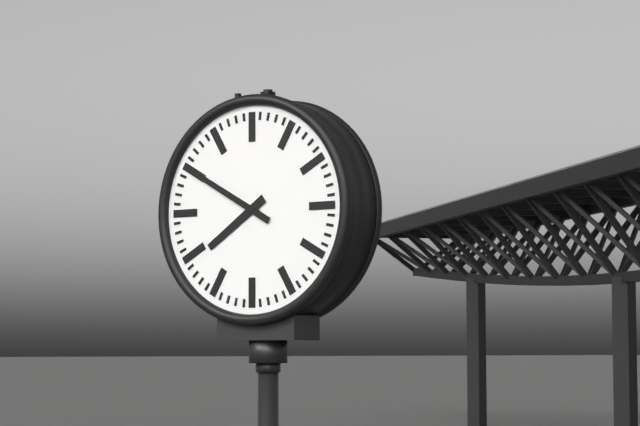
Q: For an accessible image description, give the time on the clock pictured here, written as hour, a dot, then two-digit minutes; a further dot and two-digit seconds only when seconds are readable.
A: 7.50
